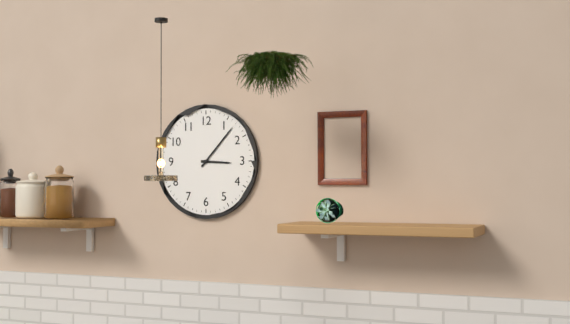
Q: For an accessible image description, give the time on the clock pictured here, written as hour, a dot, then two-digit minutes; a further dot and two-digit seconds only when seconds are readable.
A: 3.07
